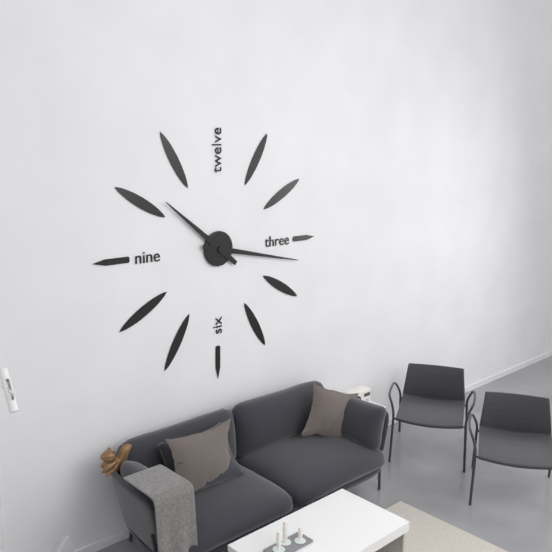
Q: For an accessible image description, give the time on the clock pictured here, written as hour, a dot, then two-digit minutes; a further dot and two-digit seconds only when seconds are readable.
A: 10.17
